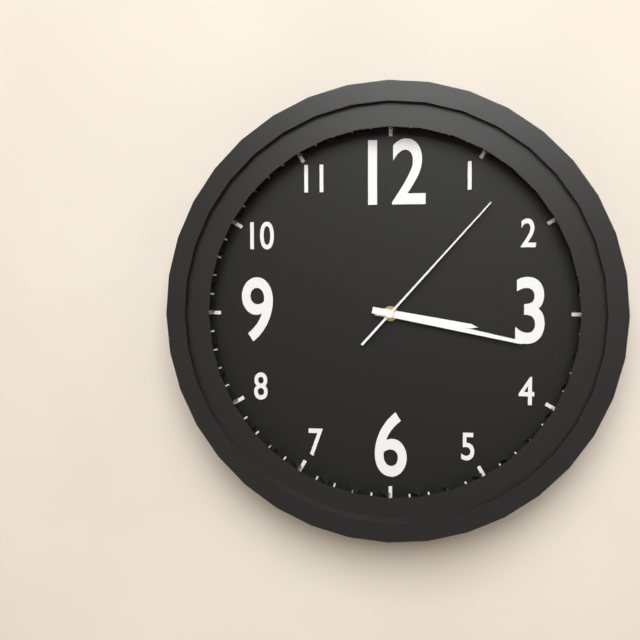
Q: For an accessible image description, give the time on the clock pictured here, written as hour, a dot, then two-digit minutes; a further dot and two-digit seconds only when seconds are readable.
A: 3.17.07
